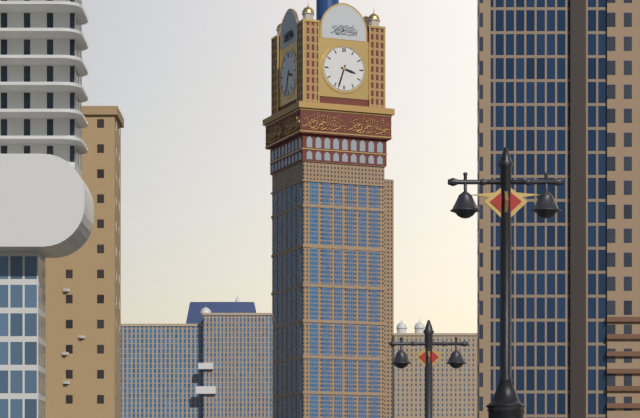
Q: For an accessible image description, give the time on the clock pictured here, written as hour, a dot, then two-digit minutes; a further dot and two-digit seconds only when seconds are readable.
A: 3.33
